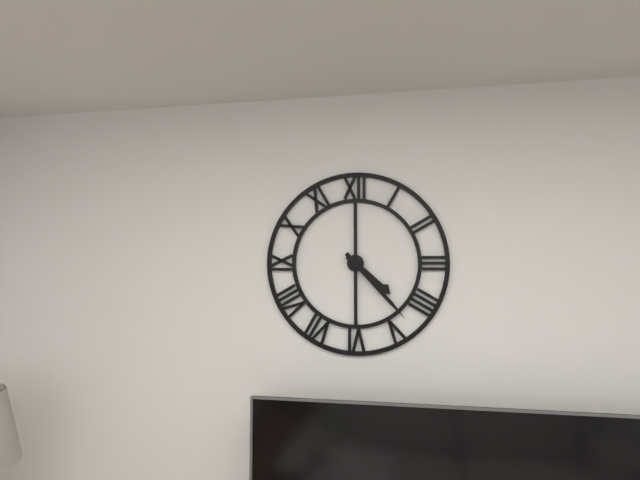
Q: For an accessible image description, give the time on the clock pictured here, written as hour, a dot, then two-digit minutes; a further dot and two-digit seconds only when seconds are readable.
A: 4.23
